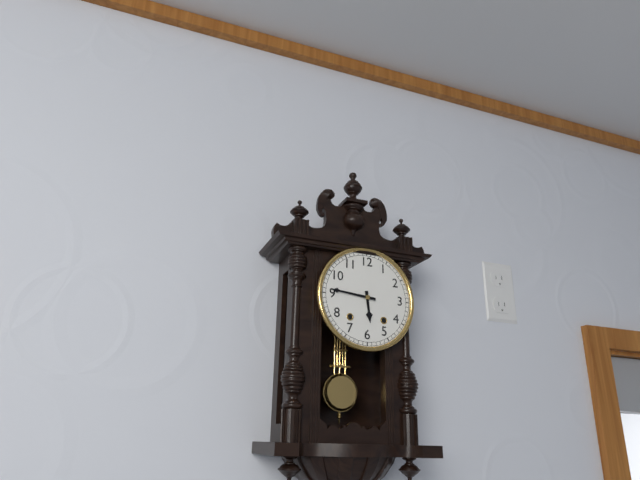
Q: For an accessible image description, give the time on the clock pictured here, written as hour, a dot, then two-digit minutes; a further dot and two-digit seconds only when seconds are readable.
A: 5.46
